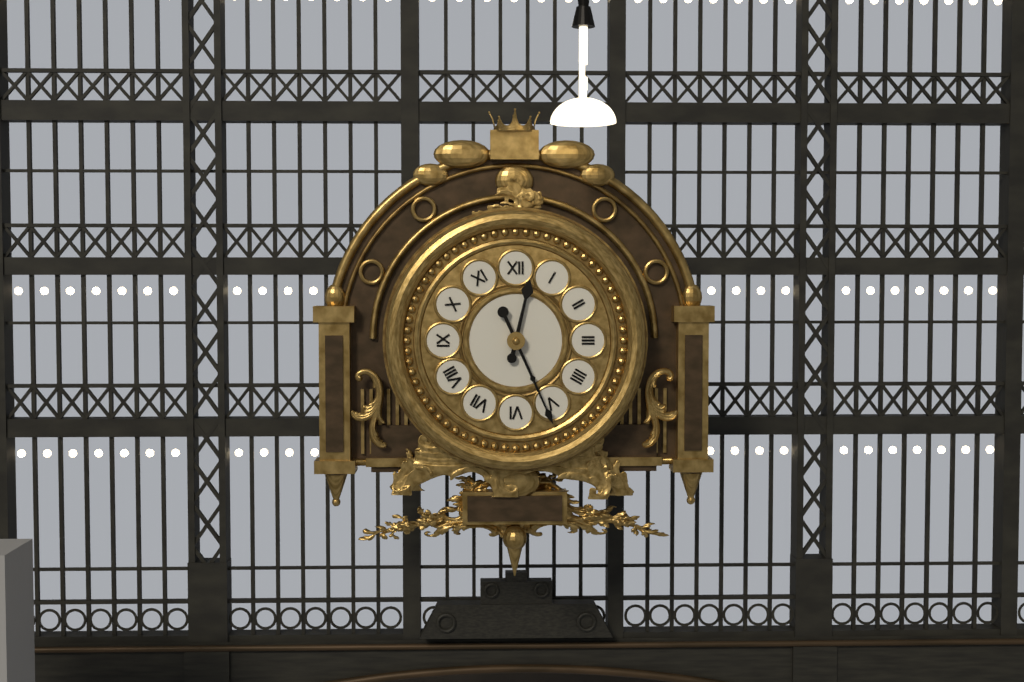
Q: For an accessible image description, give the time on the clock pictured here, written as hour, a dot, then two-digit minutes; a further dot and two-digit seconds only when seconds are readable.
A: 12.26
